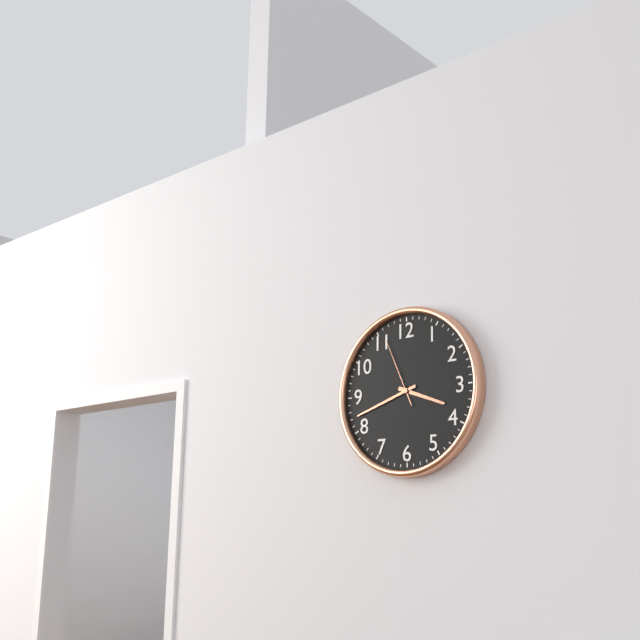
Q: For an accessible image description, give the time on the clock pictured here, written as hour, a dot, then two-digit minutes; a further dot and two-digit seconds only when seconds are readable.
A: 3.42.56
